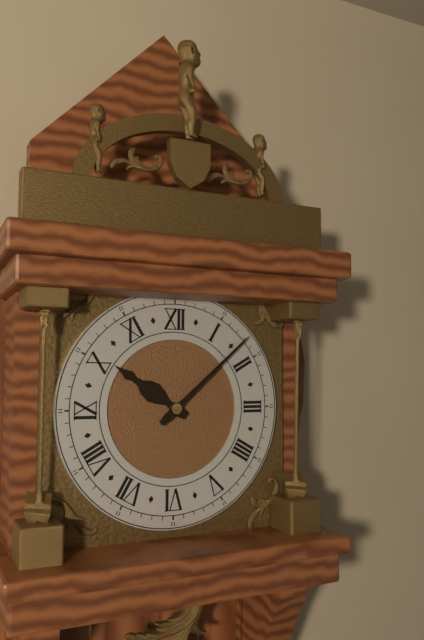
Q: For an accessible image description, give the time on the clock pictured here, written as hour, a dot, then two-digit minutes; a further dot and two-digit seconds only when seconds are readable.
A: 10.08
